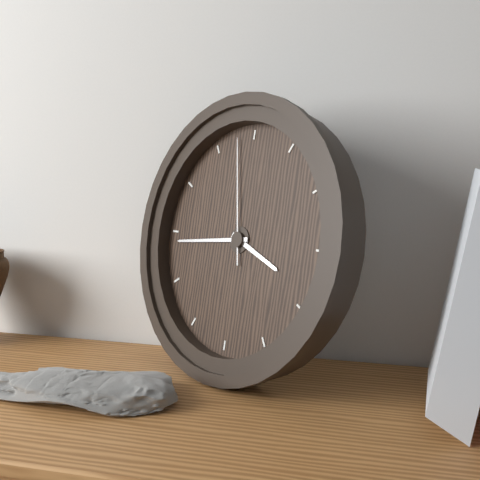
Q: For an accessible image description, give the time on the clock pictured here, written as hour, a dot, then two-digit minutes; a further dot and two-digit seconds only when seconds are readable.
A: 3.44.58
